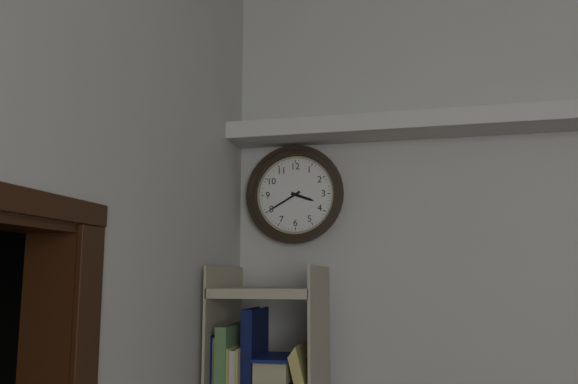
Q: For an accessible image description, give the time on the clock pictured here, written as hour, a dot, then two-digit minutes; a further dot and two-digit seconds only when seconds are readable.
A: 3.40
